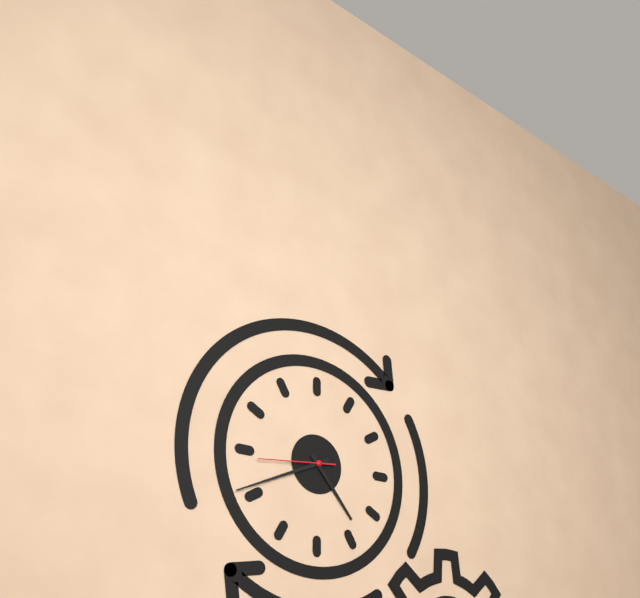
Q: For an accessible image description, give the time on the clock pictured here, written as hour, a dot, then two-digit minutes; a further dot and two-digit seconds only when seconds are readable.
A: 4.41.44
